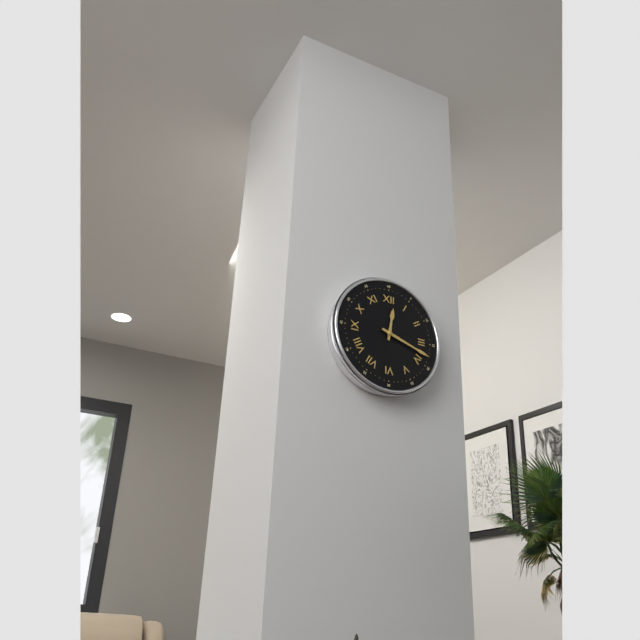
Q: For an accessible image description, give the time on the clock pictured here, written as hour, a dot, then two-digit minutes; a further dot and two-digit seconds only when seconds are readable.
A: 12.18
